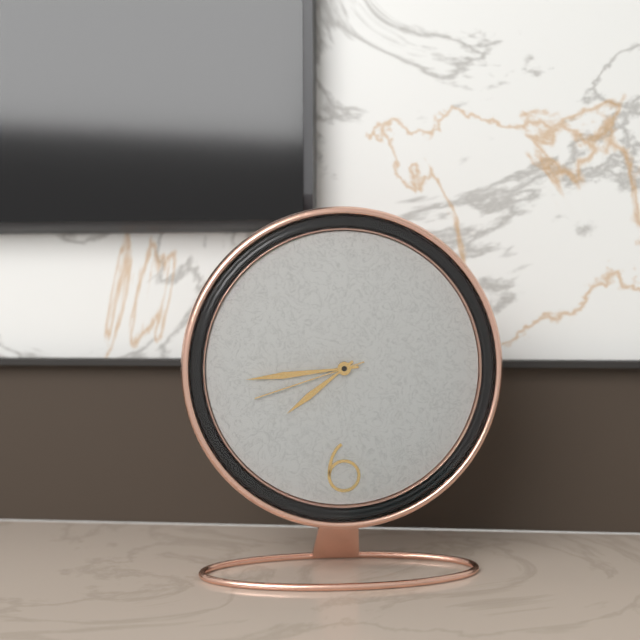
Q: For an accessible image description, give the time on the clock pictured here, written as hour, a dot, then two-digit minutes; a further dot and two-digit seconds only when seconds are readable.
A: 7.44.42
